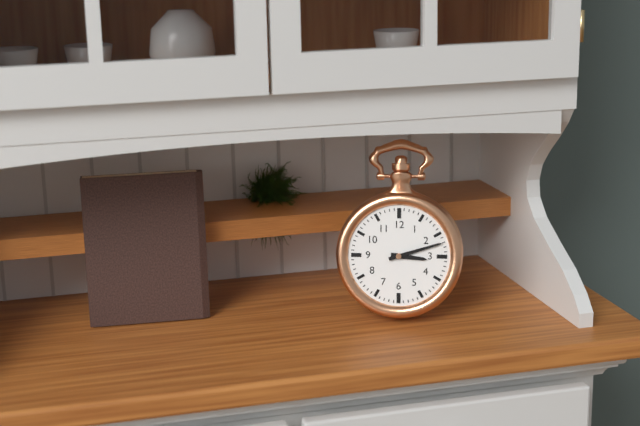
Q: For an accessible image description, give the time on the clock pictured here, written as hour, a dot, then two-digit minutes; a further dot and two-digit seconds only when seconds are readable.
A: 3.12
